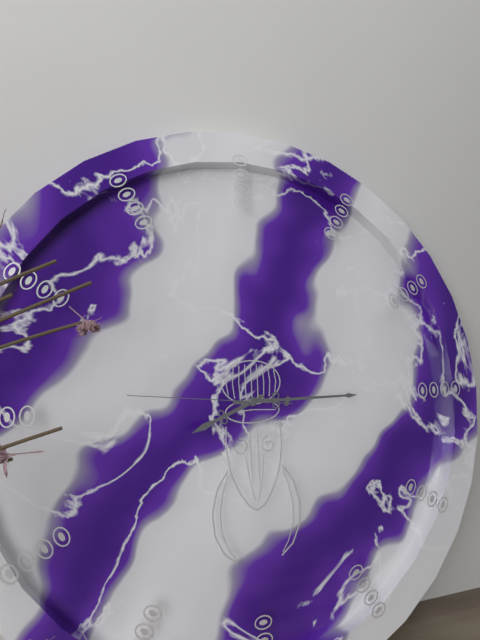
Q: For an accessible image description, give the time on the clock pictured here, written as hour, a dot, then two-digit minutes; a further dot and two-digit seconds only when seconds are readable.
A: 8.15.46
